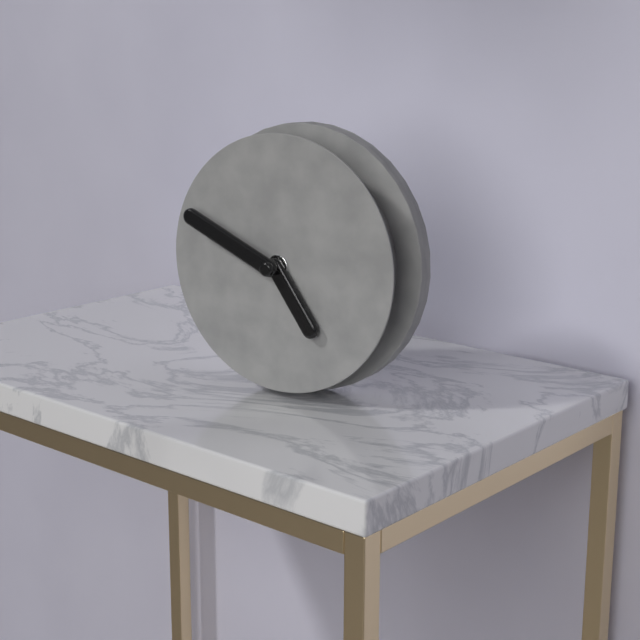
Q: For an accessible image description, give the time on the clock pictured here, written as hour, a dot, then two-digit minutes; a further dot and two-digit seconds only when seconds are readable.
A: 4.49
